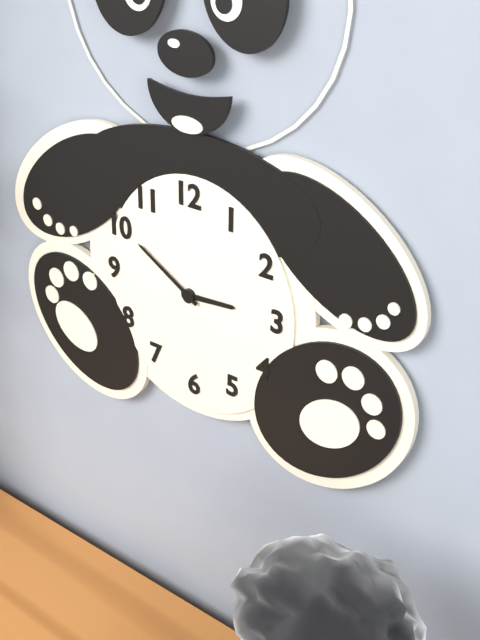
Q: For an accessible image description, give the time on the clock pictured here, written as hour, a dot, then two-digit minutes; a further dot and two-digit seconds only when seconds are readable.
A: 2.50
